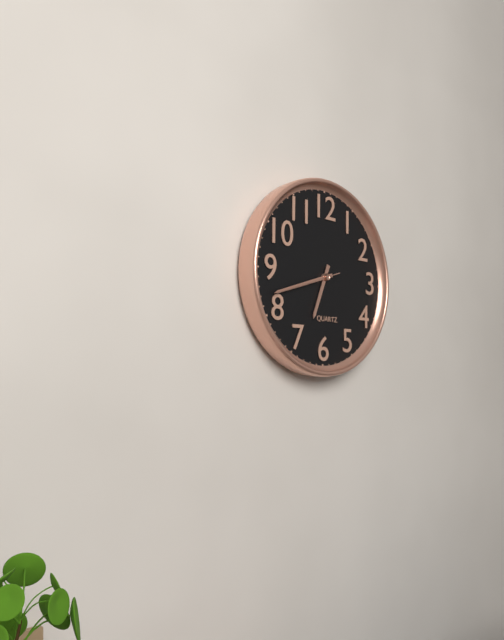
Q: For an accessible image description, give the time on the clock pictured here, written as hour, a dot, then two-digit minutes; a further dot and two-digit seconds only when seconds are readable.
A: 6.42.42
